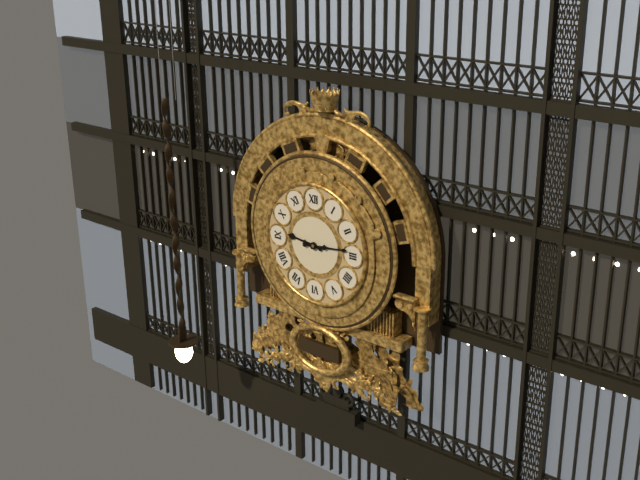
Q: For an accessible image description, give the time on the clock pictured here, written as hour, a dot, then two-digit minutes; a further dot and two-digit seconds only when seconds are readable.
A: 9.14
